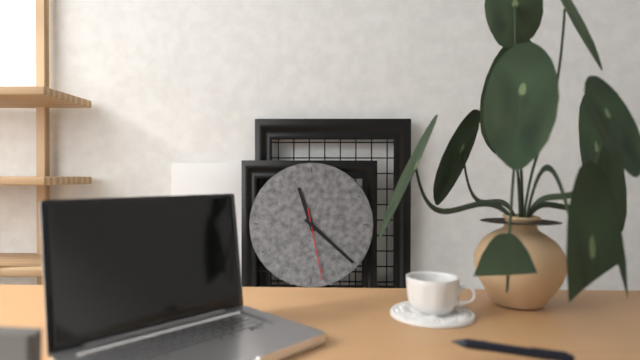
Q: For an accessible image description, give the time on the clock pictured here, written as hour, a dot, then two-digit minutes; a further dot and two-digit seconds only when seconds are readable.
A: 11.22.28
